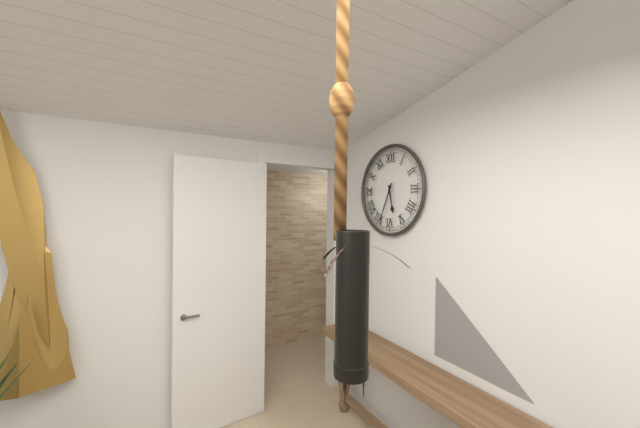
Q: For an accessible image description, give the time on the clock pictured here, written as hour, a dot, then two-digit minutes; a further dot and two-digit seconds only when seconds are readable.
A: 5.34
